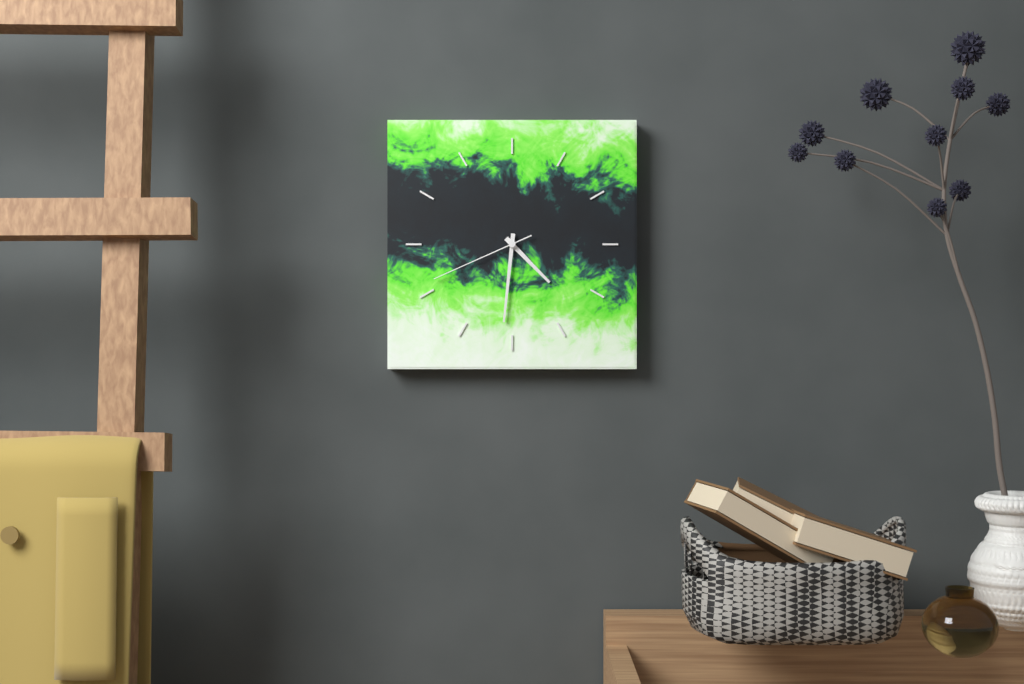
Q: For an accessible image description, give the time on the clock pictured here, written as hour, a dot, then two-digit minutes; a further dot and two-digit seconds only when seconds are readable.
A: 4.31.41
